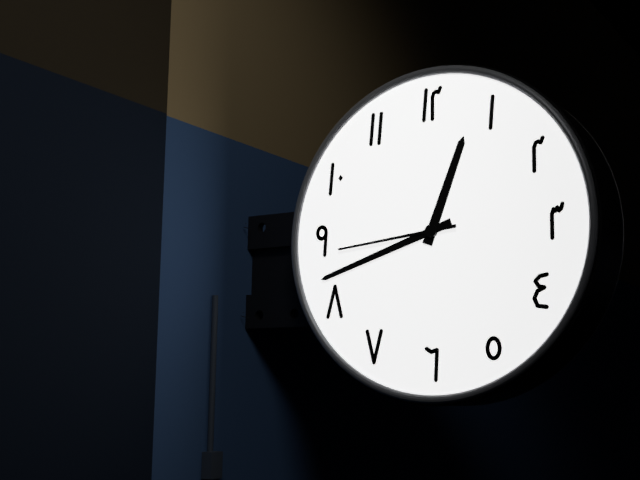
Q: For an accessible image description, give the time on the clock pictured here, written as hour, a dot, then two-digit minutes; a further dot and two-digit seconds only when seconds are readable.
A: 12.42.44
